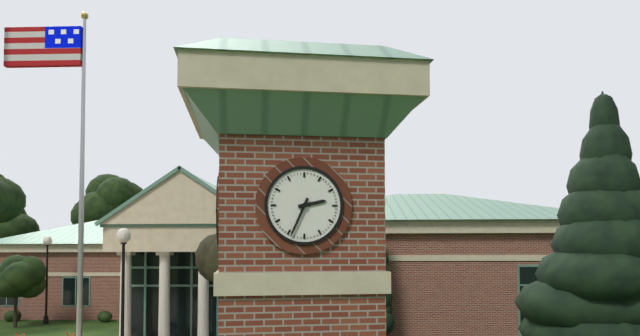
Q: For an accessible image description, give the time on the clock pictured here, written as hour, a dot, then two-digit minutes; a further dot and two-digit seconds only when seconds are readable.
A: 2.34
